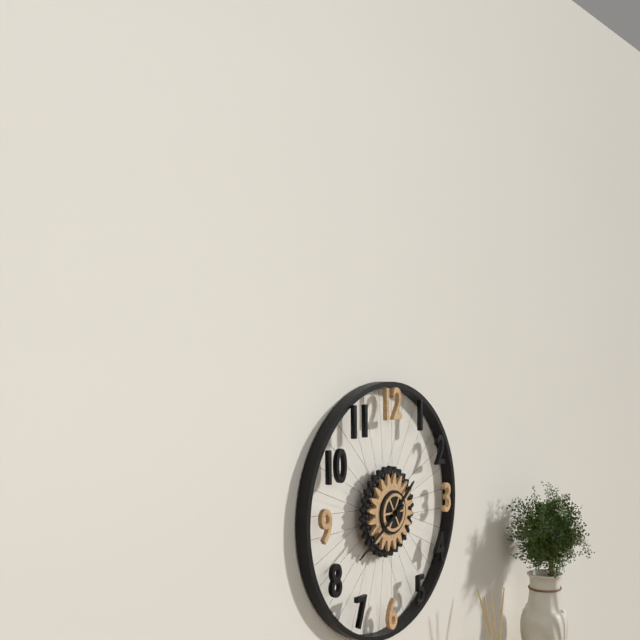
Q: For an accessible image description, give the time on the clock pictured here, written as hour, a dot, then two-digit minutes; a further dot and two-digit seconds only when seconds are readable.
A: 1.40
